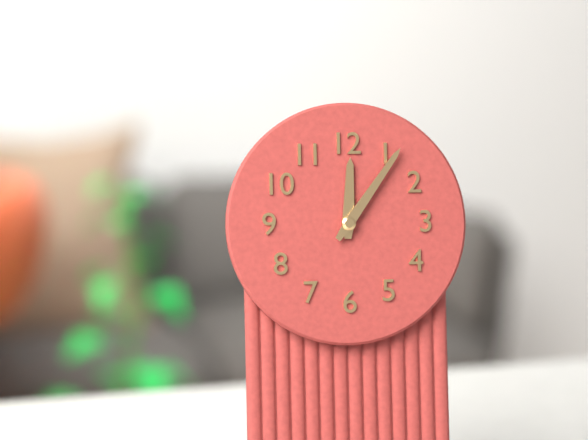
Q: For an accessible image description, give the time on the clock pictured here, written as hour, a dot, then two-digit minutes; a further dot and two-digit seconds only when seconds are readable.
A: 12.06
